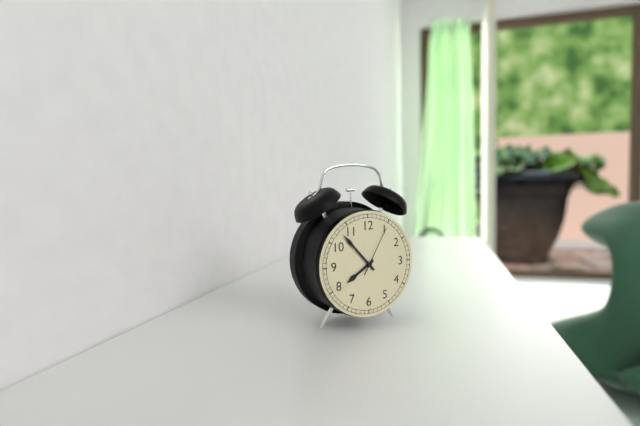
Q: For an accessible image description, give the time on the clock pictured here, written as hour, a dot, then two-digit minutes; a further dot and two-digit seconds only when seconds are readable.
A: 7.53.05
